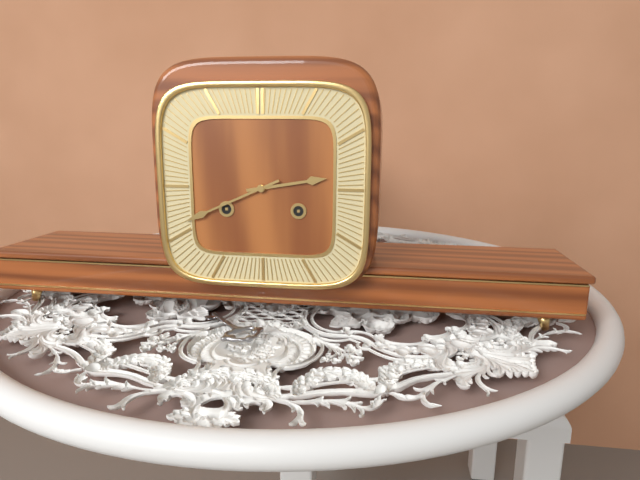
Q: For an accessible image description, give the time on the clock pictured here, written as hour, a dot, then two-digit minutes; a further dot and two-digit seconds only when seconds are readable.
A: 2.41
